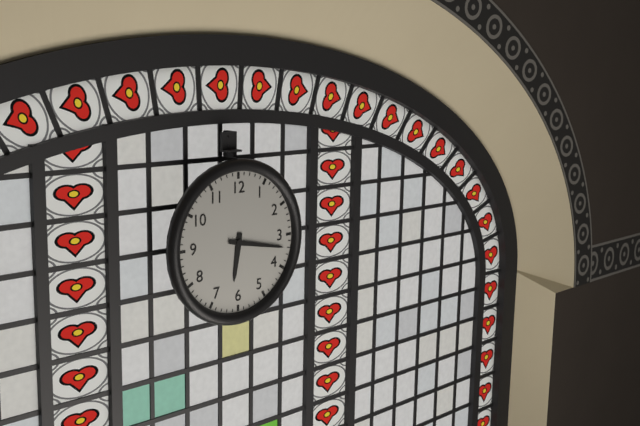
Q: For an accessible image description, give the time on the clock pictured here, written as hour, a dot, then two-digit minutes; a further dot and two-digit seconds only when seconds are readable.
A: 6.17
